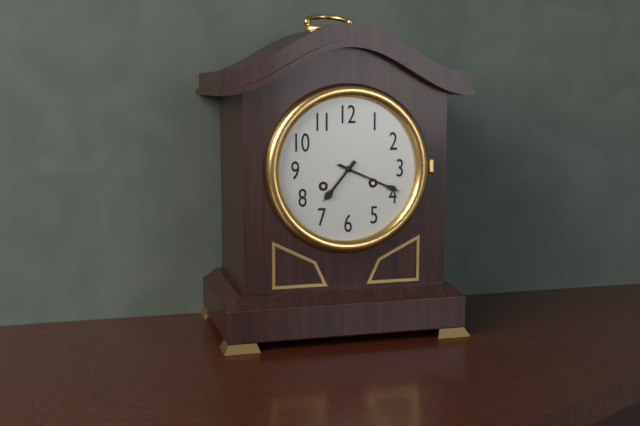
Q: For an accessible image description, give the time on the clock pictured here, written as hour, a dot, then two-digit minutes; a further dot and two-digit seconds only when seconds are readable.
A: 7.19
